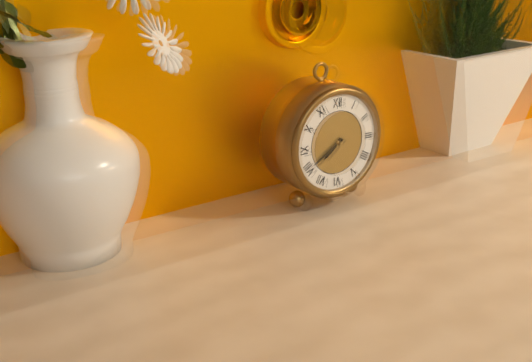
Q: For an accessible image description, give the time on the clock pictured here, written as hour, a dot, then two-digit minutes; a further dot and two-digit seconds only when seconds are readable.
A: 7.40
